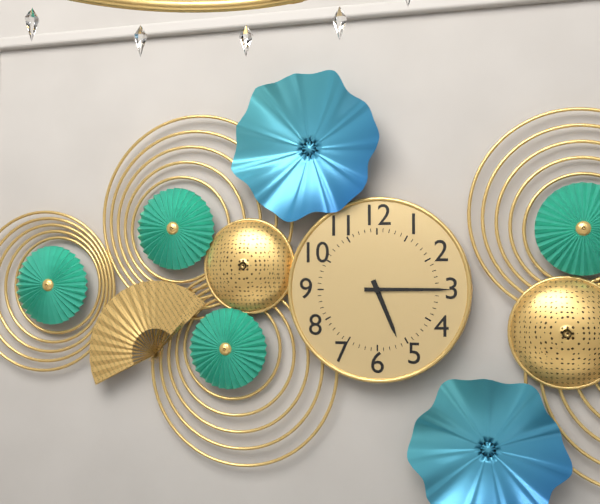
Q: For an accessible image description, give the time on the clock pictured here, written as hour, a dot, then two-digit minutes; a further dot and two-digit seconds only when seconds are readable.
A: 5.15
